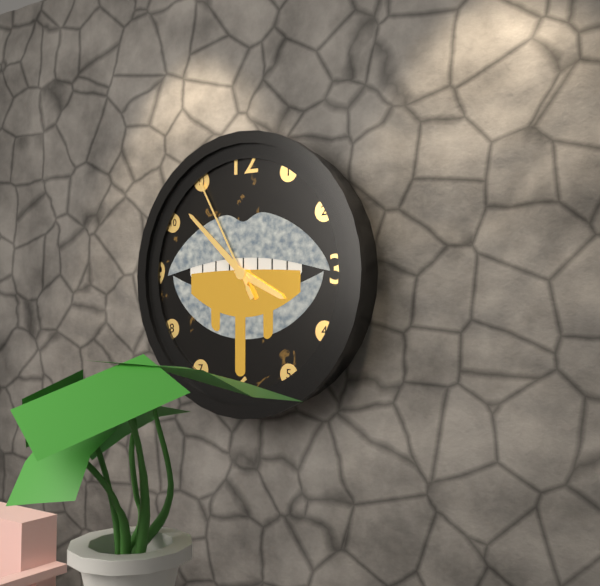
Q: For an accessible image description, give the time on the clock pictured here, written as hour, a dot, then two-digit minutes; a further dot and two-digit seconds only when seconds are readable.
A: 3.52.55
